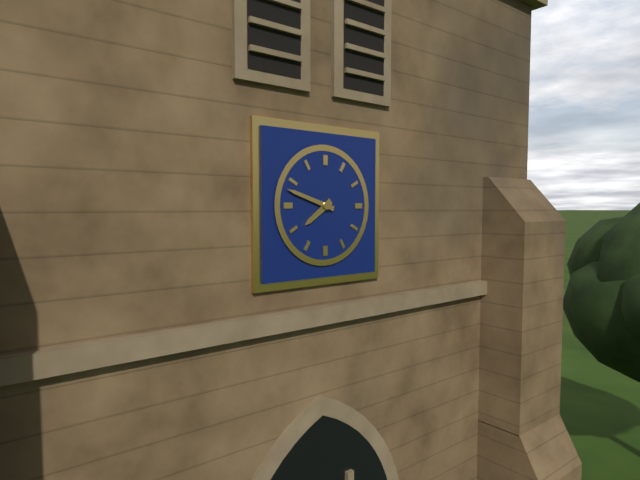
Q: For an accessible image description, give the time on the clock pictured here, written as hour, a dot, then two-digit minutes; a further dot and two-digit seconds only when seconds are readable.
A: 7.48
